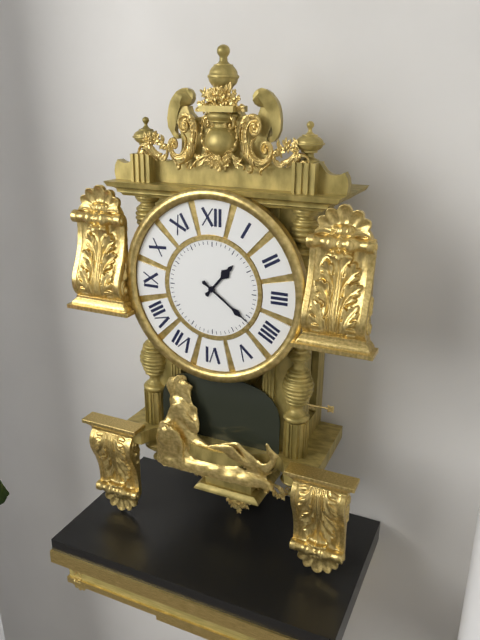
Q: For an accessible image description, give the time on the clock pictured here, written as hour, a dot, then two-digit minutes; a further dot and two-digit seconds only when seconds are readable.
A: 1.21
